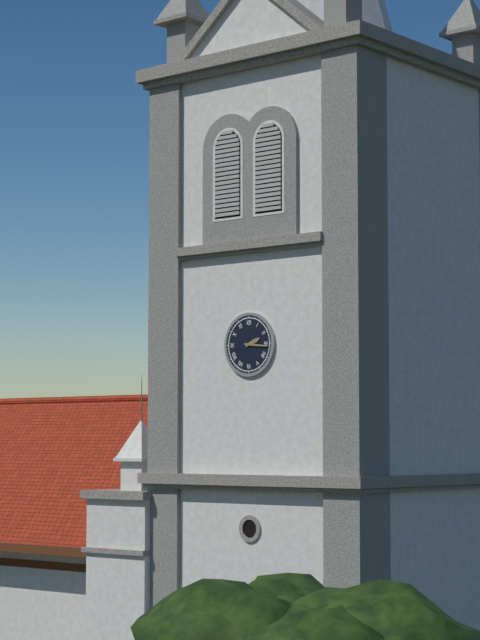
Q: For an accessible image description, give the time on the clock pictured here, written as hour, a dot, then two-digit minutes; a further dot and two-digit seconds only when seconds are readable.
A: 2.16
